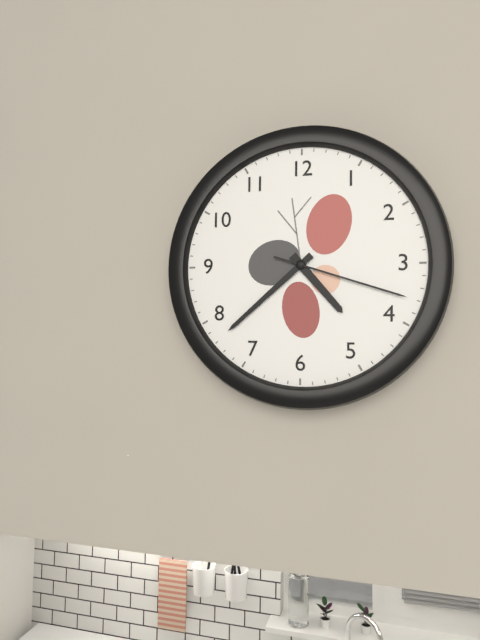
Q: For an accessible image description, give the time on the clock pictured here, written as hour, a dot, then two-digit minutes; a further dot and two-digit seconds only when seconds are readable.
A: 4.38.18
